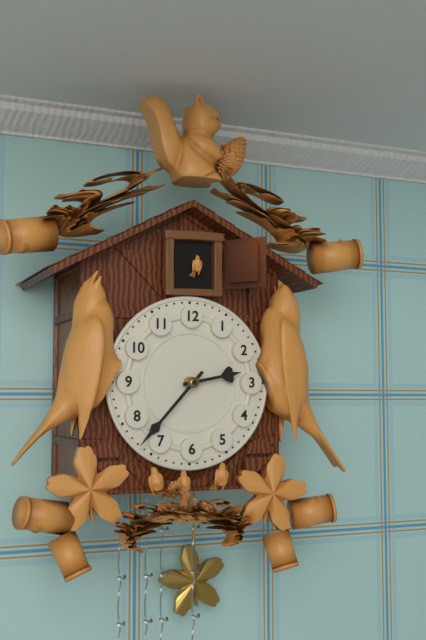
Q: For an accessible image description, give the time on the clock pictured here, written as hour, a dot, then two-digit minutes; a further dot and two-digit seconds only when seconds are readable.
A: 2.37
